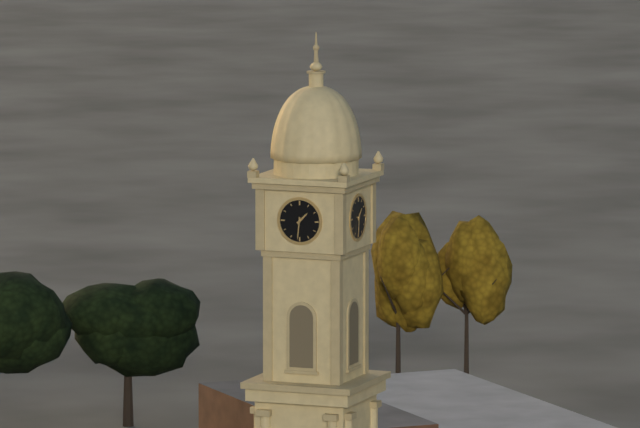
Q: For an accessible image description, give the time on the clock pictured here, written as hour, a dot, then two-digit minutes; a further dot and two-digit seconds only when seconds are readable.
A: 1.31
